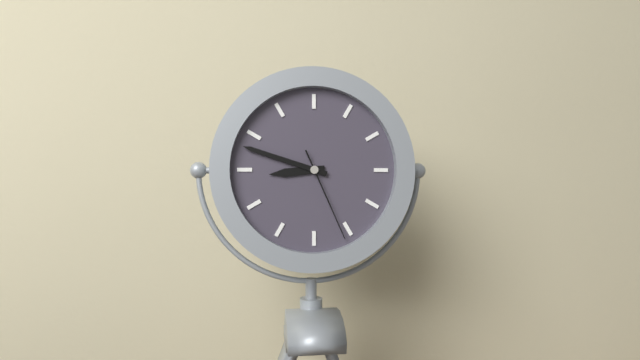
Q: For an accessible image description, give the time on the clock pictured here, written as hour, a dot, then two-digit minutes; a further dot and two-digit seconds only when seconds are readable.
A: 8.48.26
